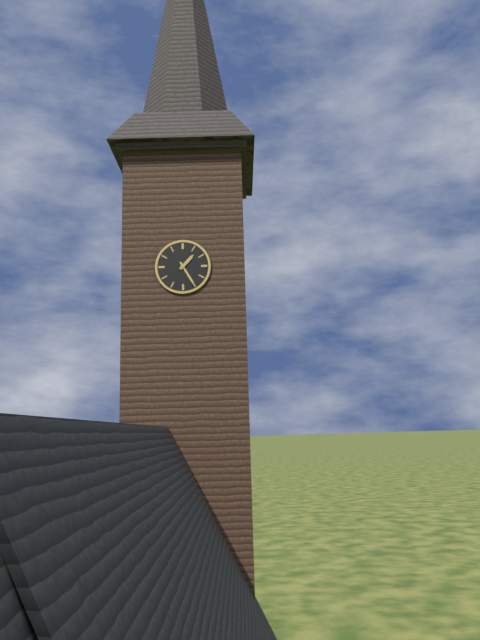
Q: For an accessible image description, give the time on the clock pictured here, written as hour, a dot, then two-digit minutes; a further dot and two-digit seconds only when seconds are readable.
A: 1.25
